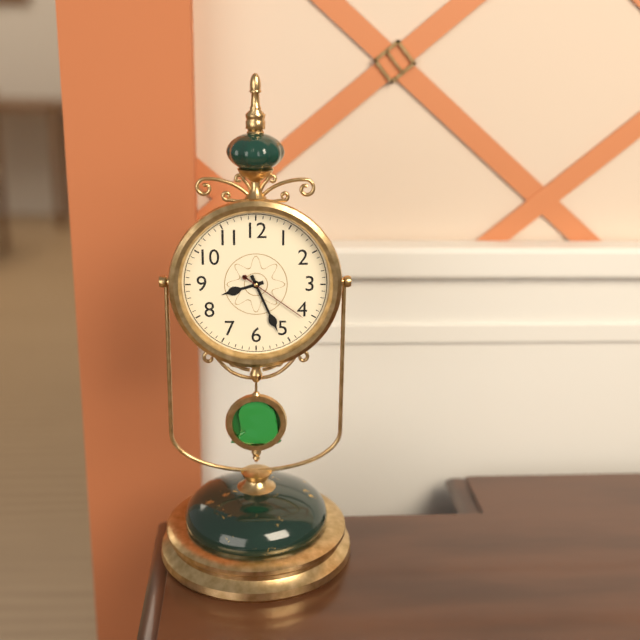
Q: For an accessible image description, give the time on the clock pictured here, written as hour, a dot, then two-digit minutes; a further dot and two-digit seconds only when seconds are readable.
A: 8.26.21
